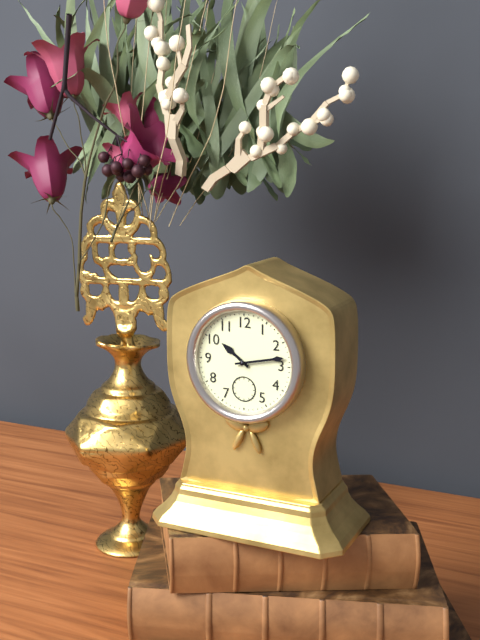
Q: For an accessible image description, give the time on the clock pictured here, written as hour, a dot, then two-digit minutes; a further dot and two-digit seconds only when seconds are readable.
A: 10.13
